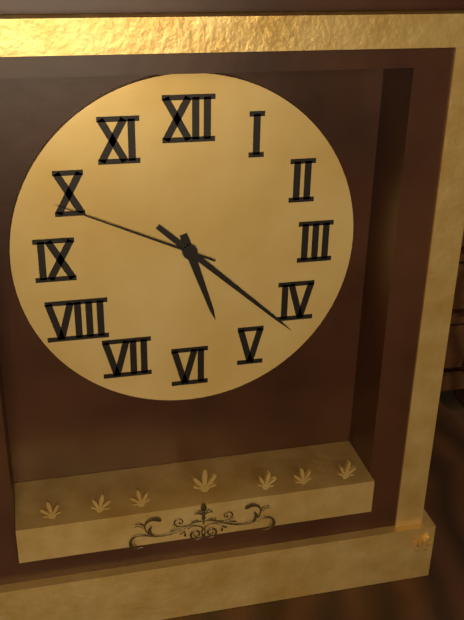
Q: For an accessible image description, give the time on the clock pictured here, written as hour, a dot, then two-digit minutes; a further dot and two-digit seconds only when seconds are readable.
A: 5.22.49
